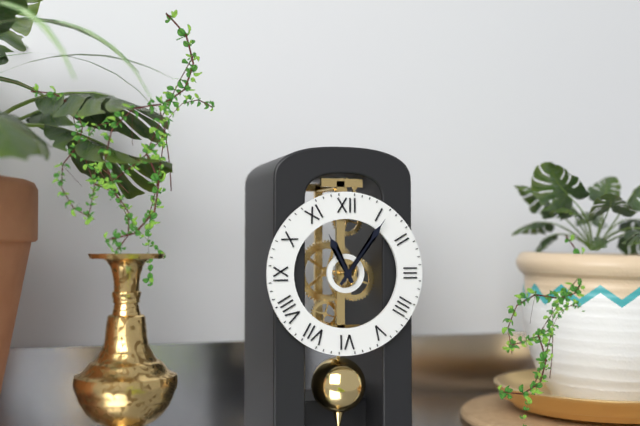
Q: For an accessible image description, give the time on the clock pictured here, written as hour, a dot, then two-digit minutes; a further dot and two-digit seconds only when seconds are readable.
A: 11.06
